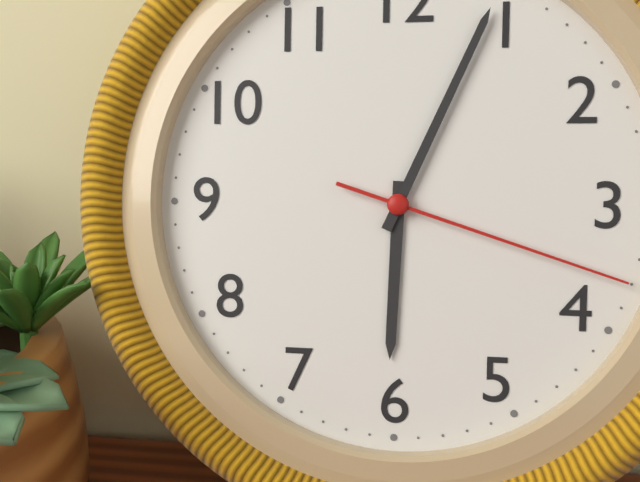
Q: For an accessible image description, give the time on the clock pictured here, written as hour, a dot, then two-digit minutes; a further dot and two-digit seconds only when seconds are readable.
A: 6.04.18
